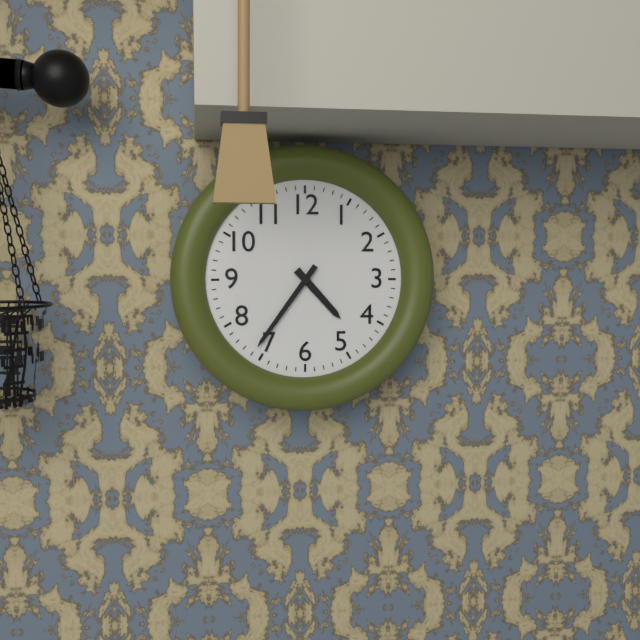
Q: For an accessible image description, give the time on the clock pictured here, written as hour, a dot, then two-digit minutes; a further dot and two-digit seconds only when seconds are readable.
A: 4.36
